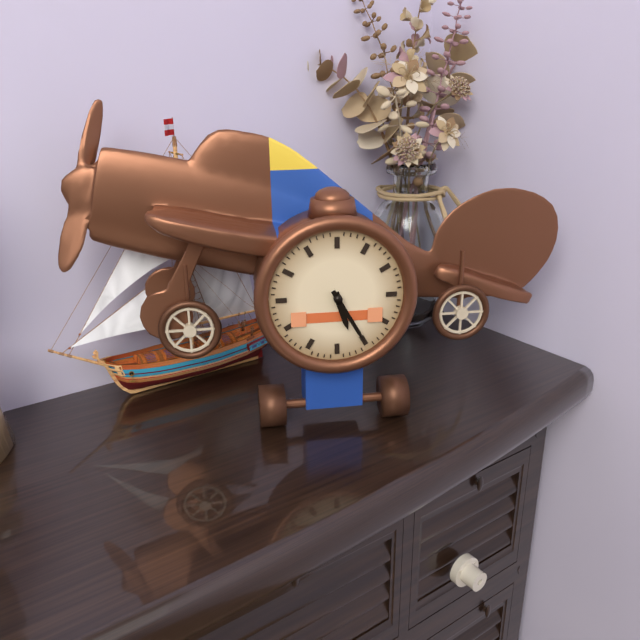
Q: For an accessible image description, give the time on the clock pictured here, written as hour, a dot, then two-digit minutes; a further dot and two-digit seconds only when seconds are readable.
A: 5.25
